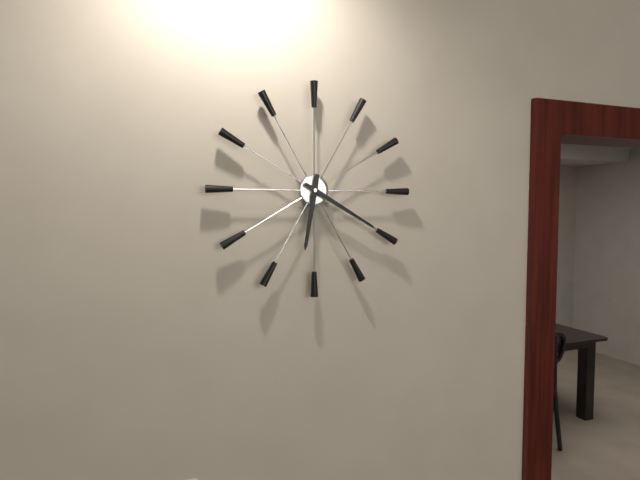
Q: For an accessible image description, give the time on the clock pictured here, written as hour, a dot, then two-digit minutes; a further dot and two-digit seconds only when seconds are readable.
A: 6.20
